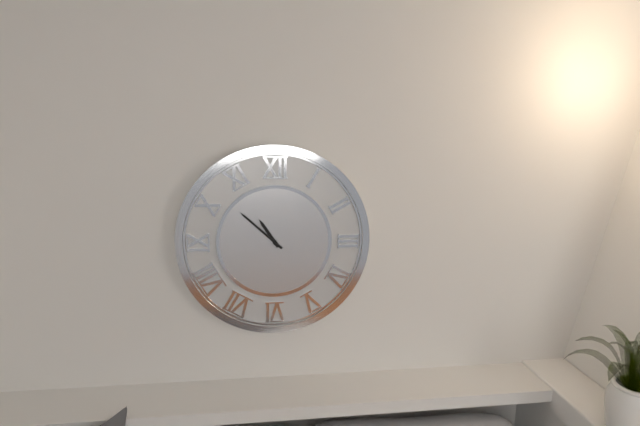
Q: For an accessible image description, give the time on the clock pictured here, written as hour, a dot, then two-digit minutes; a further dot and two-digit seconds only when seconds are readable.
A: 10.52
